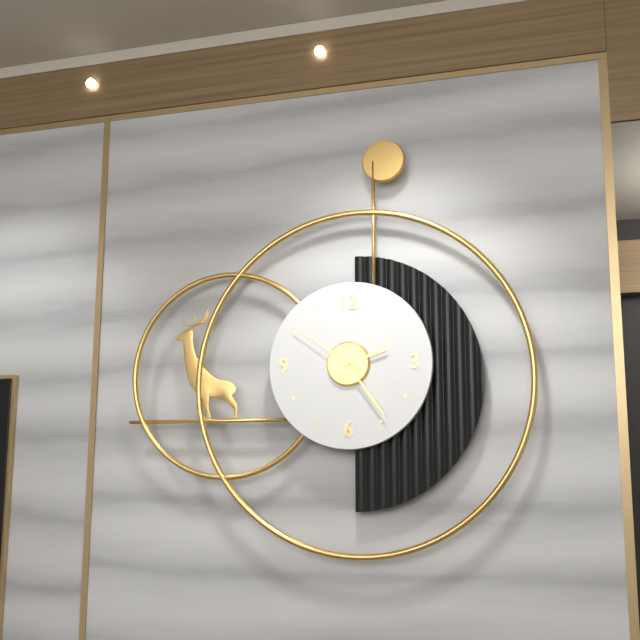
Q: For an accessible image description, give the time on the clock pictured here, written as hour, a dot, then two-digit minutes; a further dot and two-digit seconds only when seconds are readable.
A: 2.24.51
